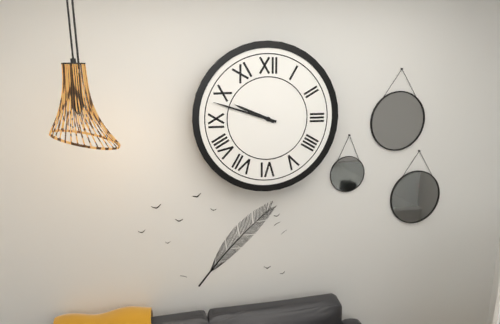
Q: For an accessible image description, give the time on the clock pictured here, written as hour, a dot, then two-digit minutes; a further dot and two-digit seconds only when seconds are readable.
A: 9.48
